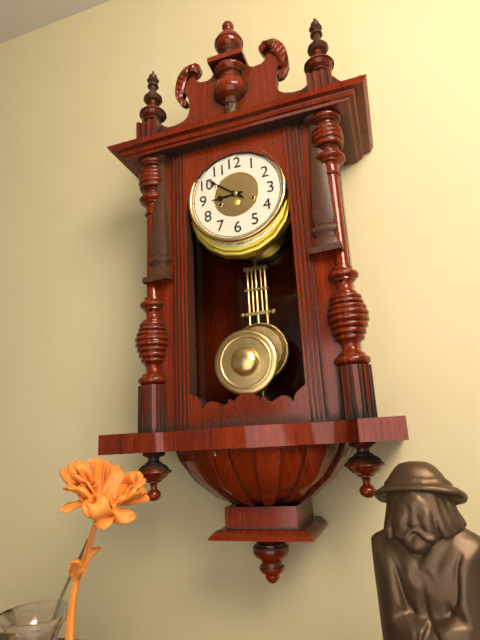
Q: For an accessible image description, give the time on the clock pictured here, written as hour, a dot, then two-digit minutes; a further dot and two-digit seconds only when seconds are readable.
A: 8.51
